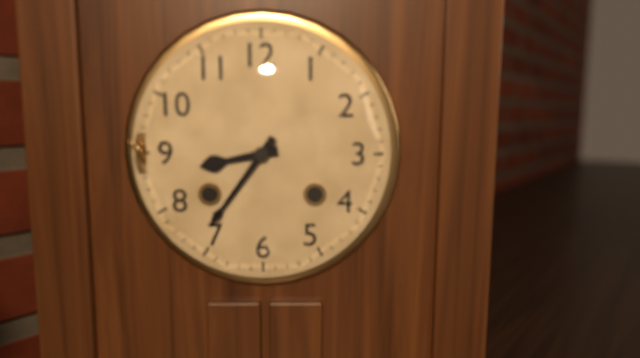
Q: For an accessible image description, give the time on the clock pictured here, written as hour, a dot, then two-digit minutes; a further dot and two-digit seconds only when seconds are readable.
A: 8.36
